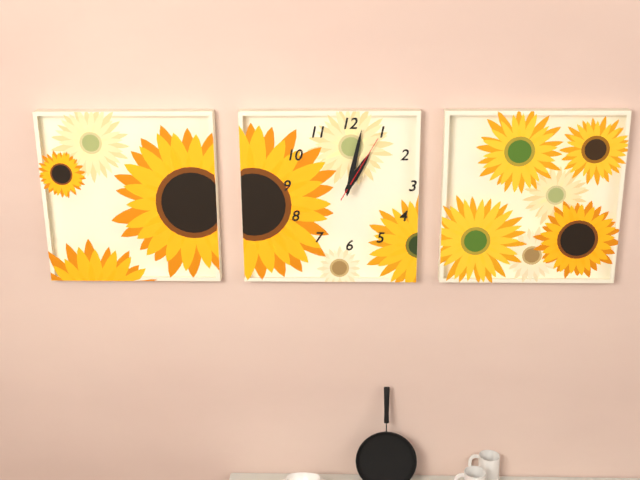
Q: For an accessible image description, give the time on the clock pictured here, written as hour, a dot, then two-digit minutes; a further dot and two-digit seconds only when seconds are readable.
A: 1.02.05
